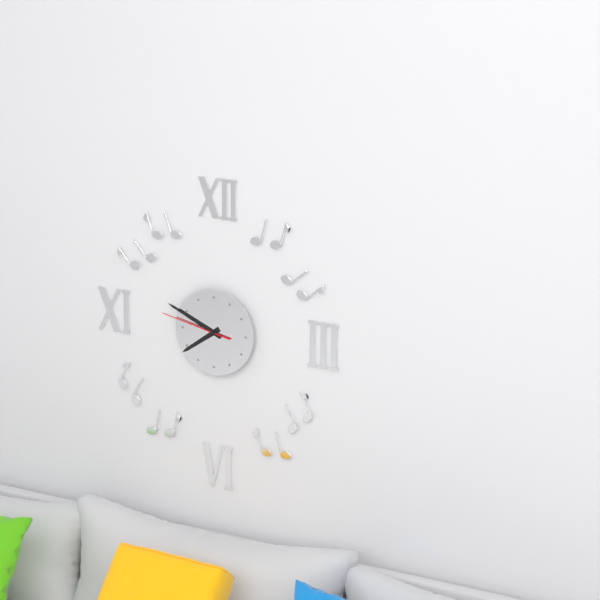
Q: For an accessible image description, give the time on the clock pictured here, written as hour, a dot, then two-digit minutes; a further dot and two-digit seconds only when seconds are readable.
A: 7.49.47
